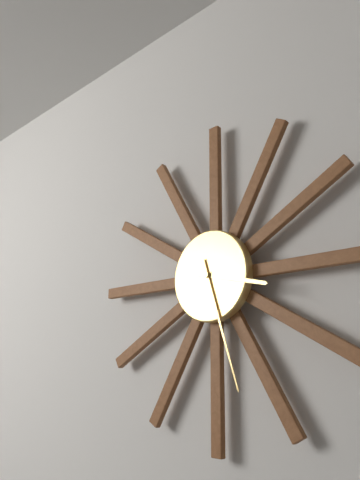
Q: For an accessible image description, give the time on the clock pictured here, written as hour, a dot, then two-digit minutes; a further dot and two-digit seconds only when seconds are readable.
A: 3.27
